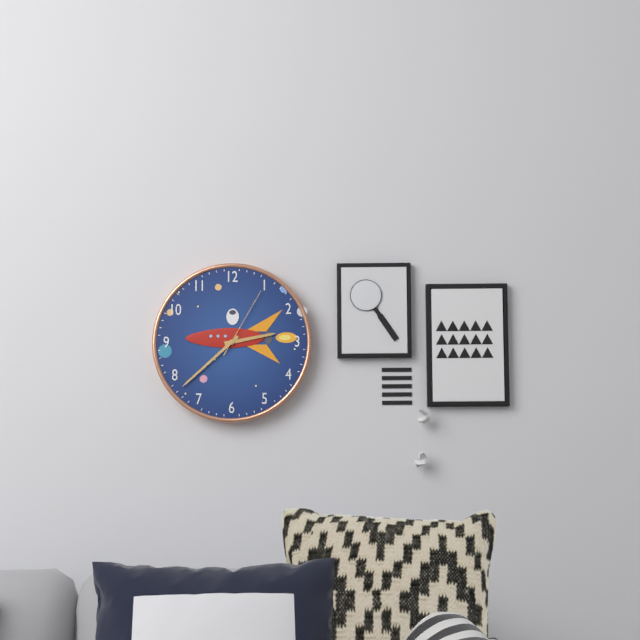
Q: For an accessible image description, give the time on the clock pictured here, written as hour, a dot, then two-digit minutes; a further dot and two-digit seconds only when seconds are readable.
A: 2.38.05
